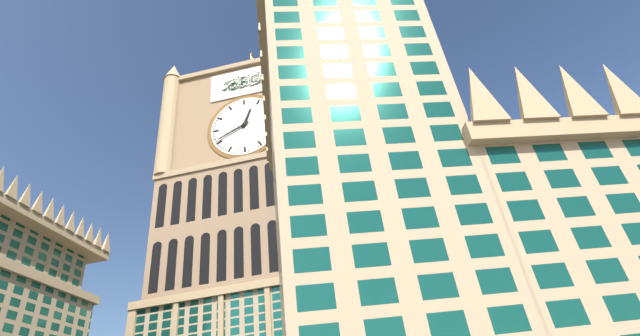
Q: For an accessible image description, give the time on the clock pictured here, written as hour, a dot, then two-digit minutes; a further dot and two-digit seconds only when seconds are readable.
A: 12.41
